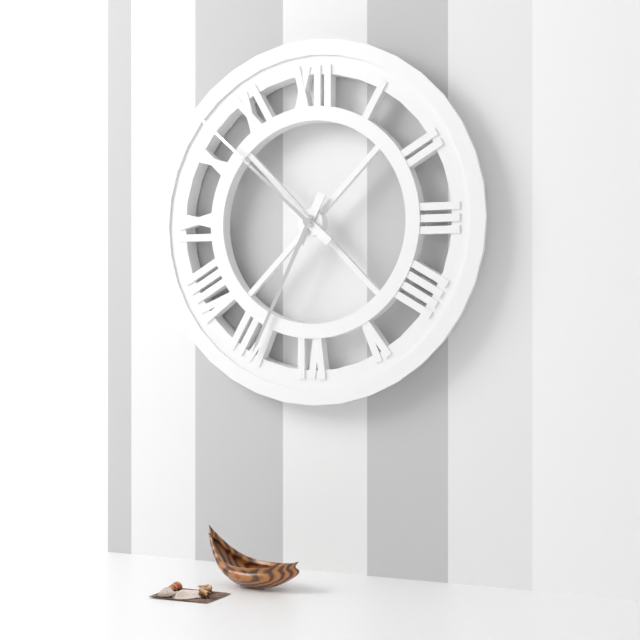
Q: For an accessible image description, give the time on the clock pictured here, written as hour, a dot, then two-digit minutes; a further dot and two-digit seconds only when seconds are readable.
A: 6.52
